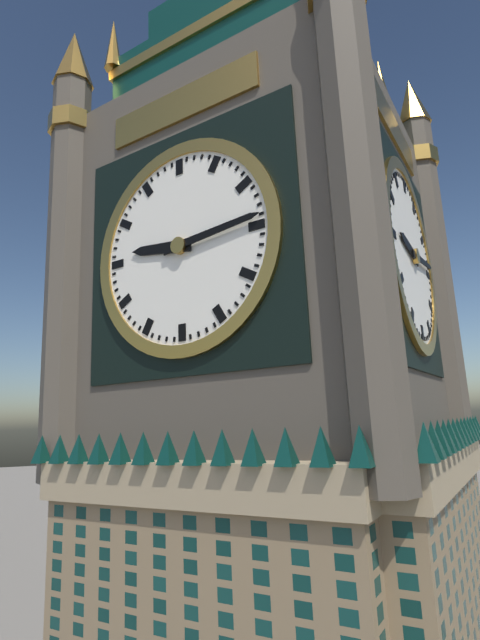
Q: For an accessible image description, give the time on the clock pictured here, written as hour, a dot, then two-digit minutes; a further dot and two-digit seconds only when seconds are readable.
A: 9.14
